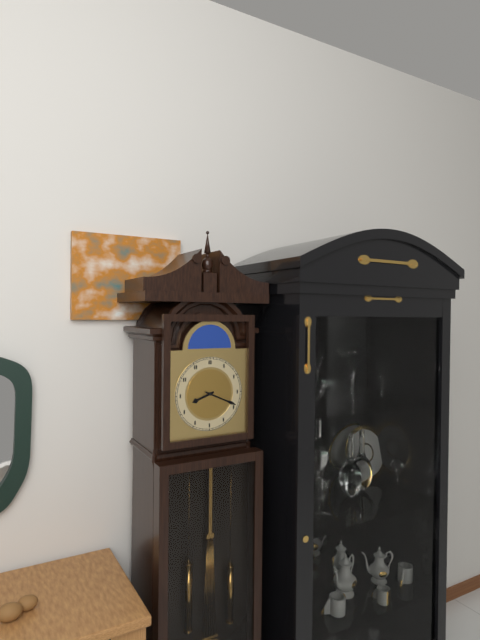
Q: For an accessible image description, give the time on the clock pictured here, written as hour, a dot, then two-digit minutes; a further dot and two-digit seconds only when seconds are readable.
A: 8.19
